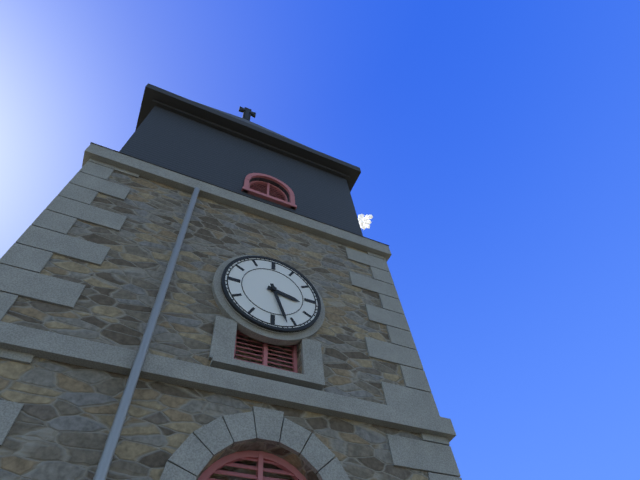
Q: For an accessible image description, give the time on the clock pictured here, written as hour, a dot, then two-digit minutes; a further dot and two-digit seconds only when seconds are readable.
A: 3.27
